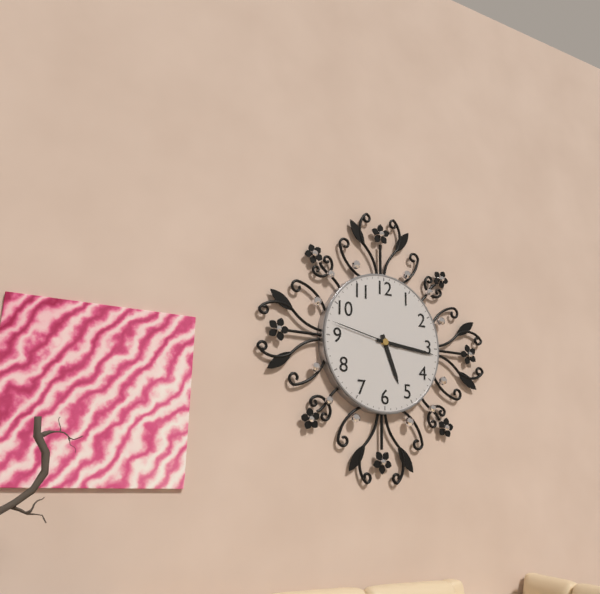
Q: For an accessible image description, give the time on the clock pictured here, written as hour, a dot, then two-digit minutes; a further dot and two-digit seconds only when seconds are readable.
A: 5.16.47
